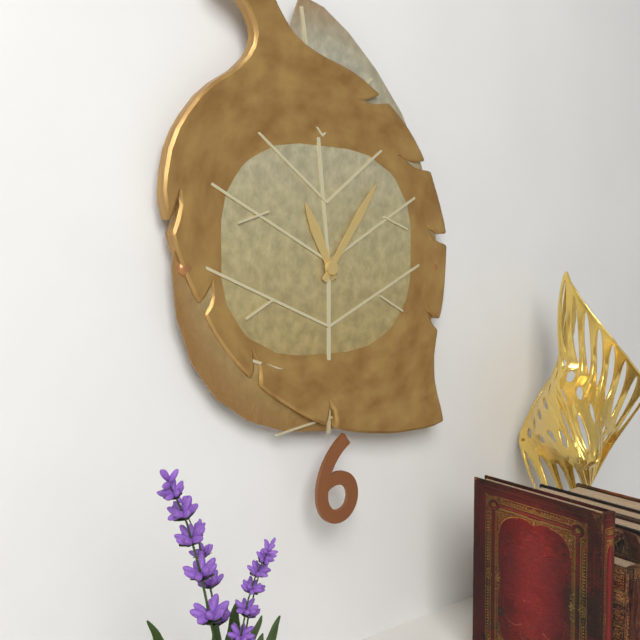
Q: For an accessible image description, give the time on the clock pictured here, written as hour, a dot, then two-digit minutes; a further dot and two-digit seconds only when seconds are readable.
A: 11.06
